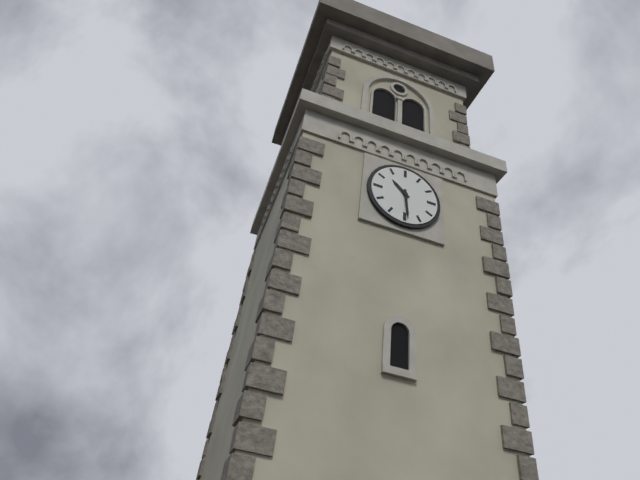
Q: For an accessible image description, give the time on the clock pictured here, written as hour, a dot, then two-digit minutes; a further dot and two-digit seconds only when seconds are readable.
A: 10.29
